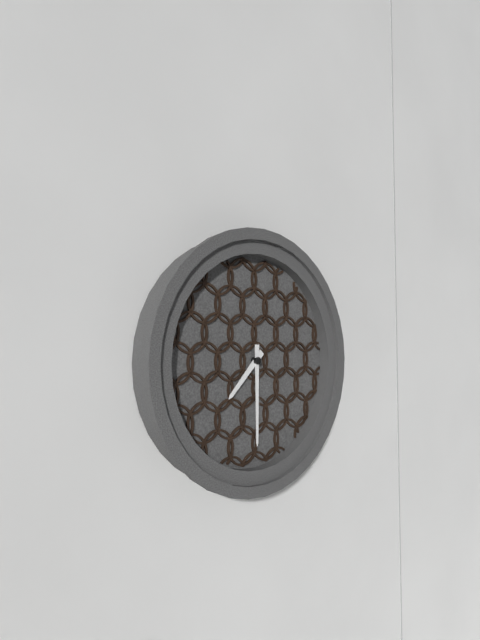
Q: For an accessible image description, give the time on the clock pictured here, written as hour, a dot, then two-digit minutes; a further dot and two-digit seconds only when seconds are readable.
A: 7.30
